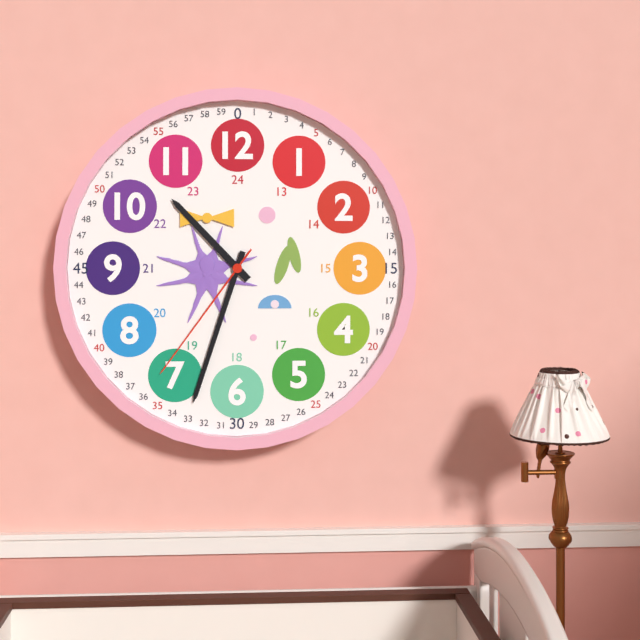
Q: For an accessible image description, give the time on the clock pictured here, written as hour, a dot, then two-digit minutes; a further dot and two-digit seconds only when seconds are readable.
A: 10.33.36
